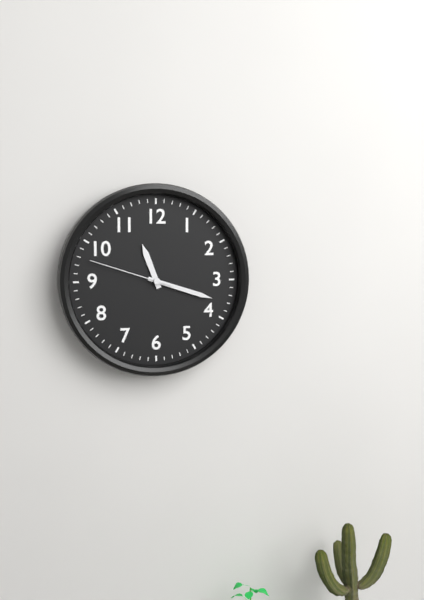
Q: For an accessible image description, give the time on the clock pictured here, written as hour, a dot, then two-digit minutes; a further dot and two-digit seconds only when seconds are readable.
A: 11.18.48
